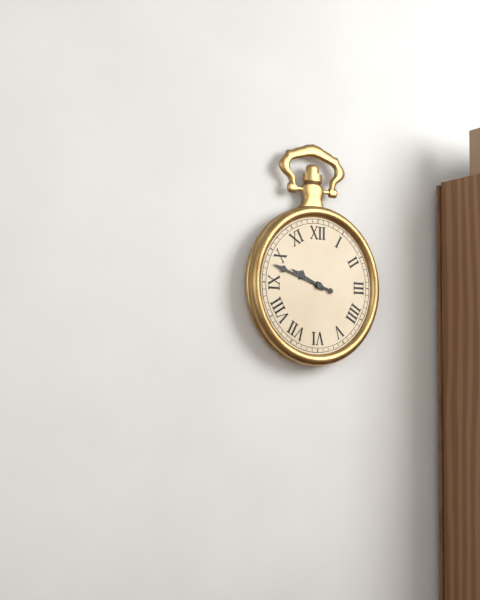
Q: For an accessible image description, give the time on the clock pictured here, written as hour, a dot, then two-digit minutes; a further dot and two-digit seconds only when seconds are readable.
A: 9.48
